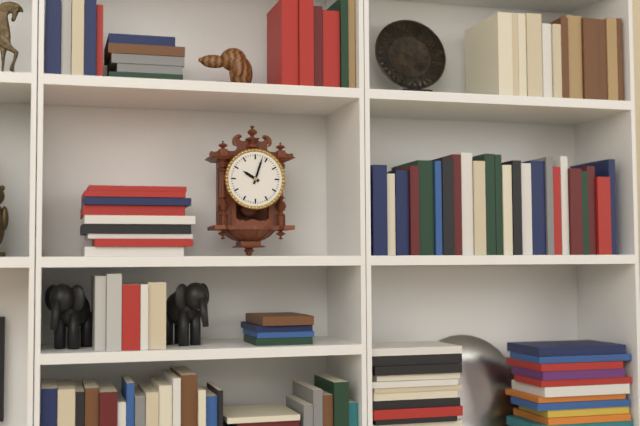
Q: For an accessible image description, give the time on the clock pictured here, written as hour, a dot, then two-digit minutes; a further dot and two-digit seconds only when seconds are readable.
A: 10.03
